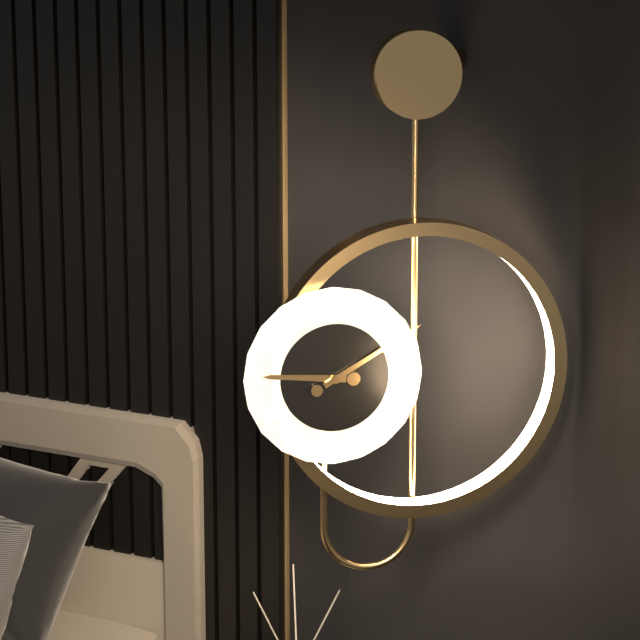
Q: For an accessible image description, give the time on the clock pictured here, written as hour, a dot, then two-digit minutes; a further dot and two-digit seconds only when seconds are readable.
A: 9.10
